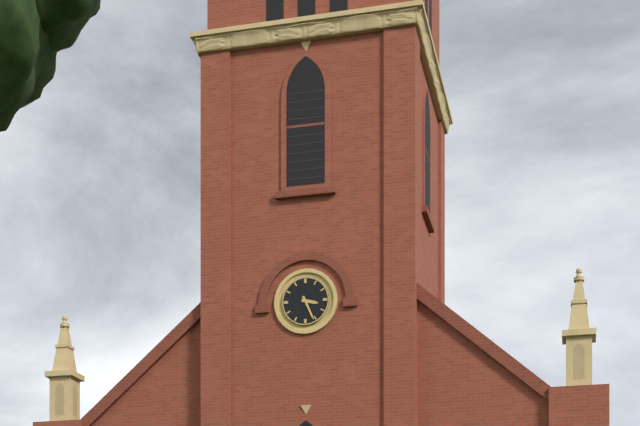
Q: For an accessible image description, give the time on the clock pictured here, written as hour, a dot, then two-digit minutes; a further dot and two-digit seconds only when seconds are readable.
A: 3.26
